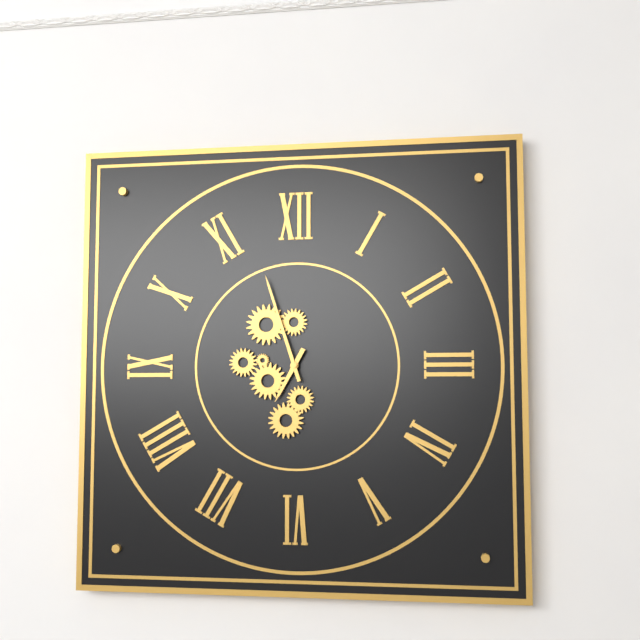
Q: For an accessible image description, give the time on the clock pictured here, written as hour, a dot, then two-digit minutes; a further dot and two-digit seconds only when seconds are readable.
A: 6.57
